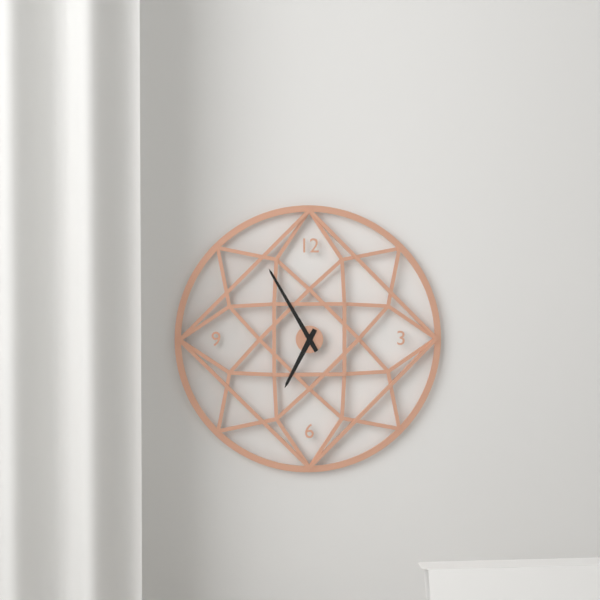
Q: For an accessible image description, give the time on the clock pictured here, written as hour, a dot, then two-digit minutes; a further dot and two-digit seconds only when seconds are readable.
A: 6.55
